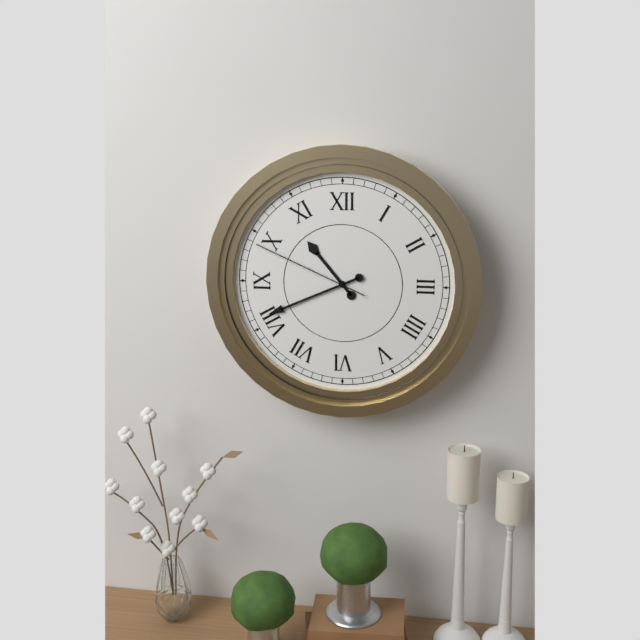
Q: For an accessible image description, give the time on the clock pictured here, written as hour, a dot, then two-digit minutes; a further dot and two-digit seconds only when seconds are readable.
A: 10.41.49
